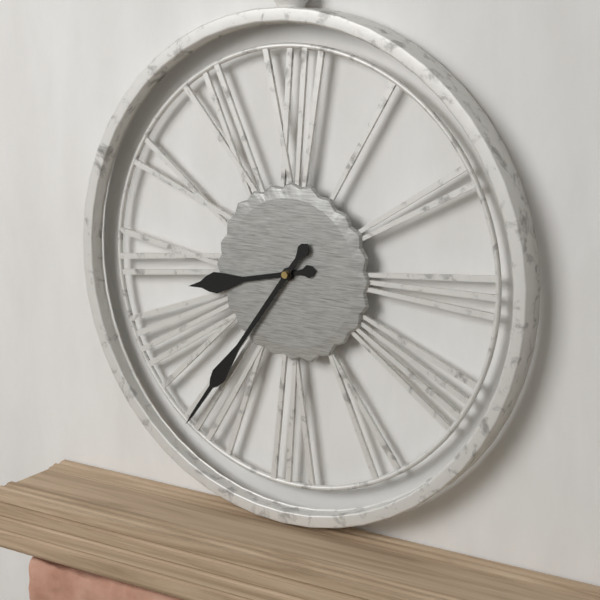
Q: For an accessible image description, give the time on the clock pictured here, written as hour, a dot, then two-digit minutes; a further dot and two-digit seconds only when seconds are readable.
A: 8.36
